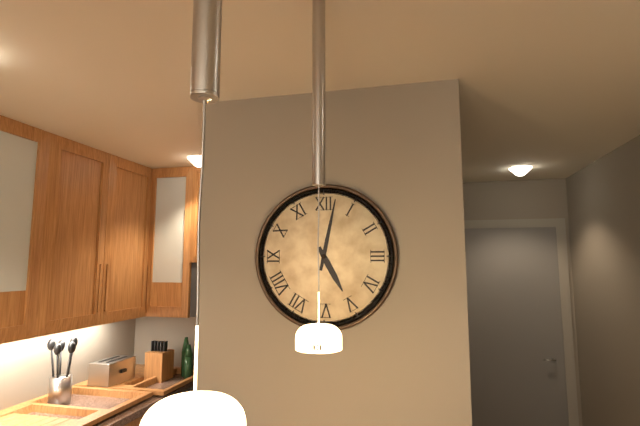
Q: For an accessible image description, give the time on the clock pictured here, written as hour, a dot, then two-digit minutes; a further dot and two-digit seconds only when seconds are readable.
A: 5.02
